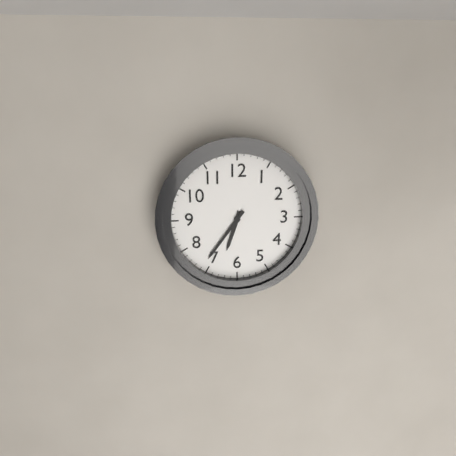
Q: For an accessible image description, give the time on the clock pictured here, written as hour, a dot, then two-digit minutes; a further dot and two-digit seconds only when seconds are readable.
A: 6.36
